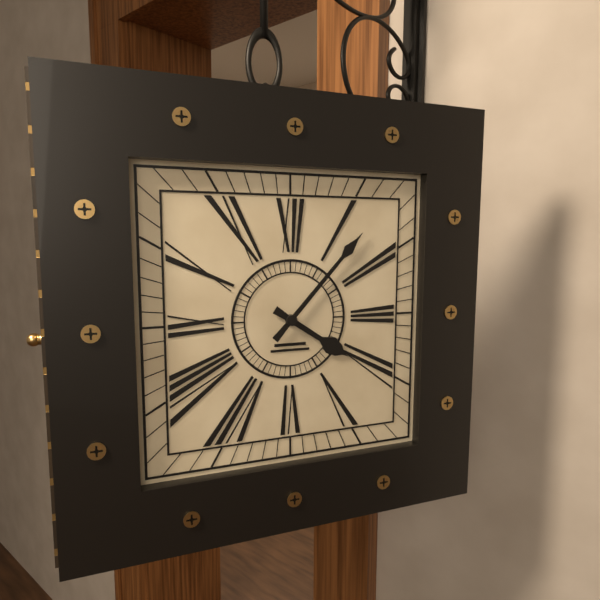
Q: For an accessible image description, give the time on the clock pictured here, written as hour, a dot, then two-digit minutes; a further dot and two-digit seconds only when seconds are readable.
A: 4.07
